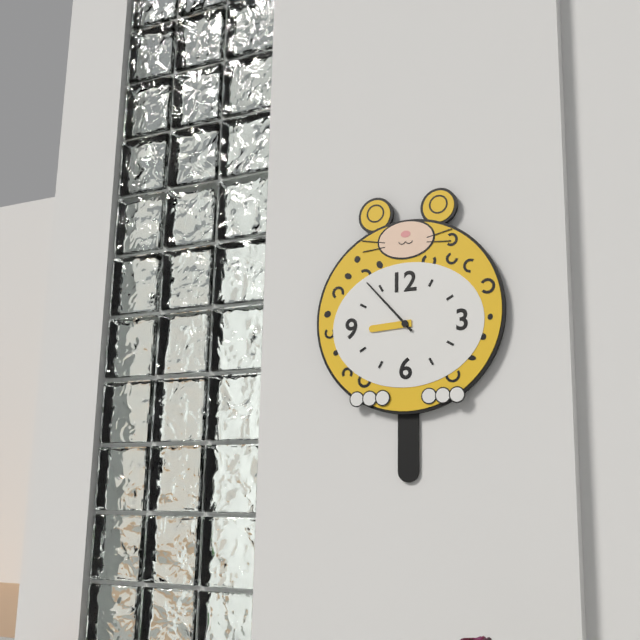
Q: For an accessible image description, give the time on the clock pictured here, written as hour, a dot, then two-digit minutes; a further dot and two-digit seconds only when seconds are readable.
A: 8.53
